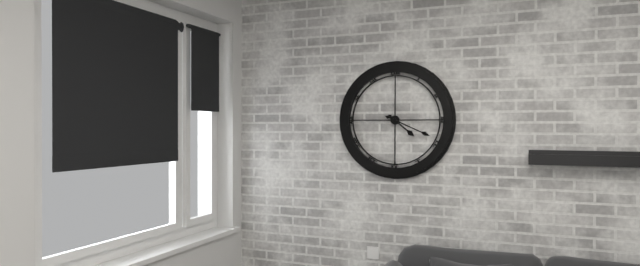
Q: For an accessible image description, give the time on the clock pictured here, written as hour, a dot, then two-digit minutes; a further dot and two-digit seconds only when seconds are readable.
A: 4.19
